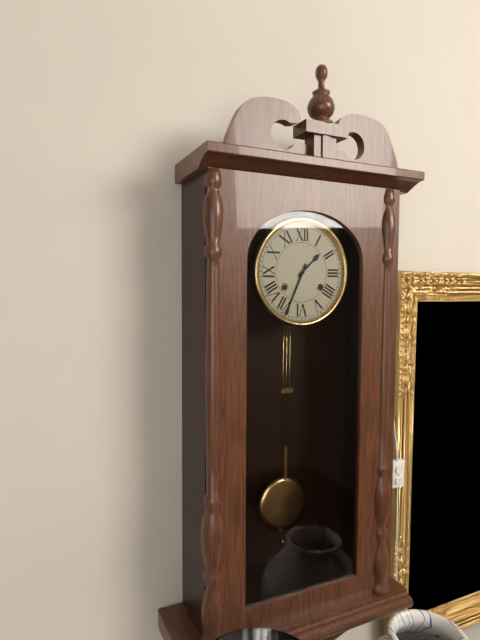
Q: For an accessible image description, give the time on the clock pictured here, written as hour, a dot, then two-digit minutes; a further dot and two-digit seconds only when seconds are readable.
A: 1.34
